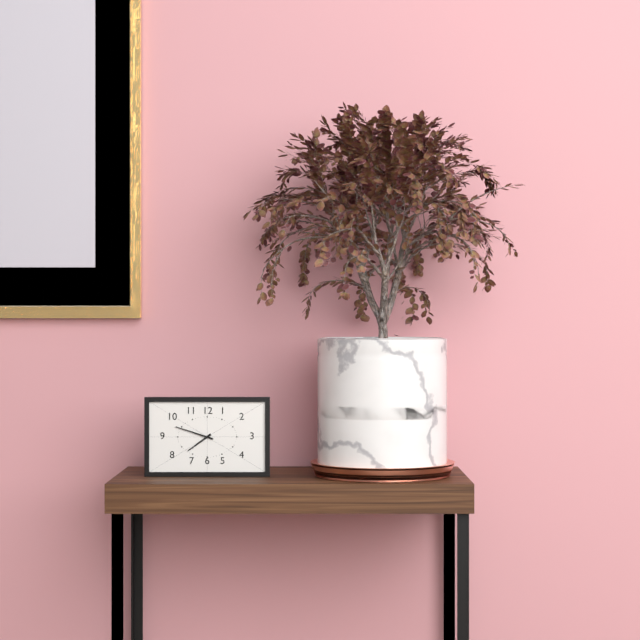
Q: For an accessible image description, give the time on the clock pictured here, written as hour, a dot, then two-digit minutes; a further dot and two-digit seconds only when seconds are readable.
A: 7.48
